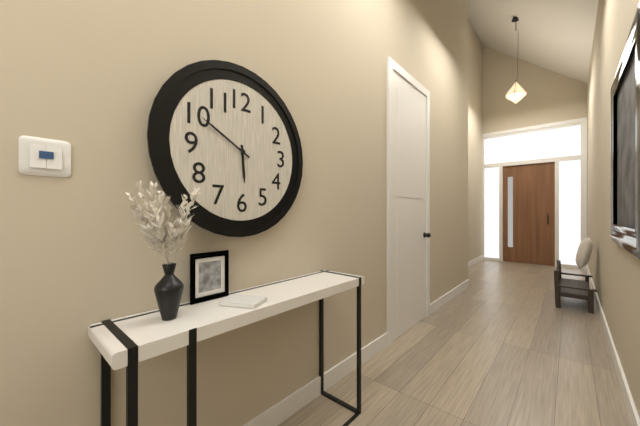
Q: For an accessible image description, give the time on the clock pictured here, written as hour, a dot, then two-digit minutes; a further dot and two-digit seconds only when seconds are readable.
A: 5.50
